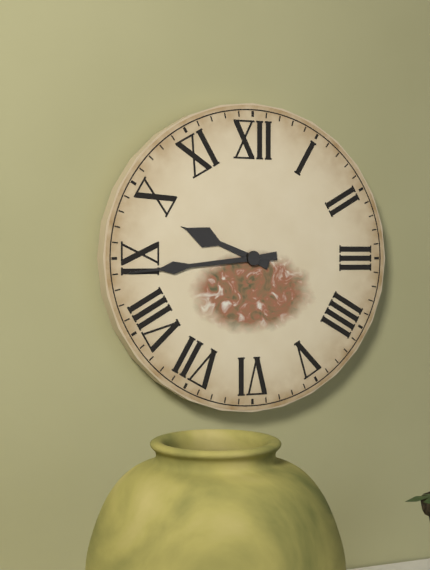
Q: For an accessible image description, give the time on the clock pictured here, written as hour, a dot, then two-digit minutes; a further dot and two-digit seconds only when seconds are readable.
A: 9.44
